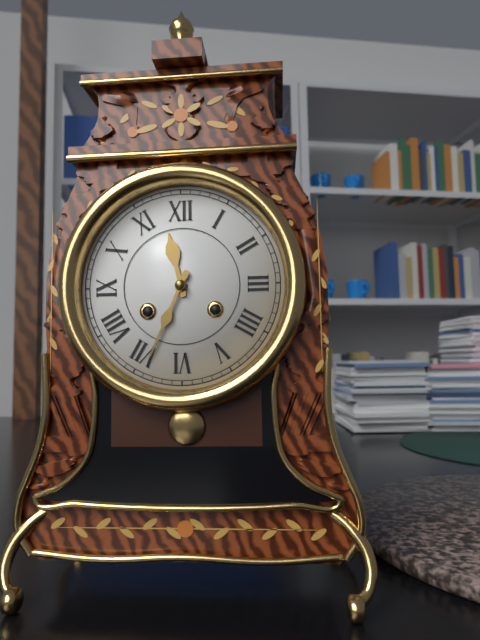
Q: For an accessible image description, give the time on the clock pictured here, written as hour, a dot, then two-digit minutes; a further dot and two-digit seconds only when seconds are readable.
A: 11.34
